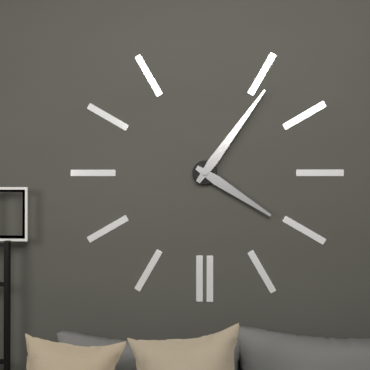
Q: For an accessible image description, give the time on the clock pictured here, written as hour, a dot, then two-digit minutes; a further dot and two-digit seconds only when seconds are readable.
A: 4.06
